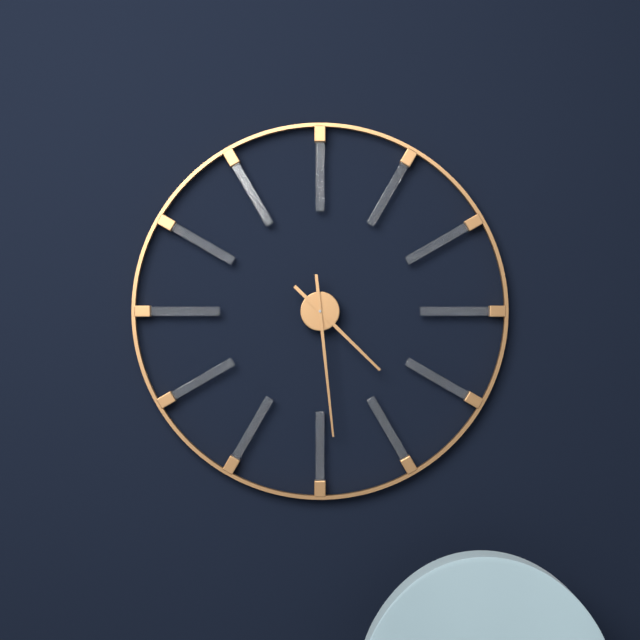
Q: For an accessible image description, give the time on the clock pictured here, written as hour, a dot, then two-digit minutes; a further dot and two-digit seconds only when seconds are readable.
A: 4.29
